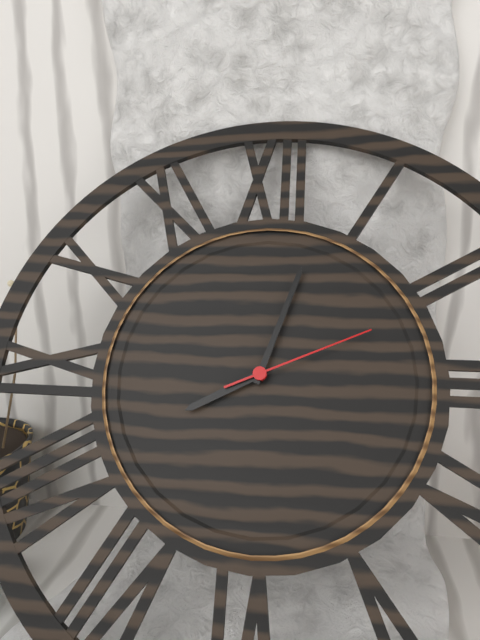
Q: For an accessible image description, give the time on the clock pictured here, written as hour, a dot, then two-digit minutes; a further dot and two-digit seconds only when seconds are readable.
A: 8.03.11
